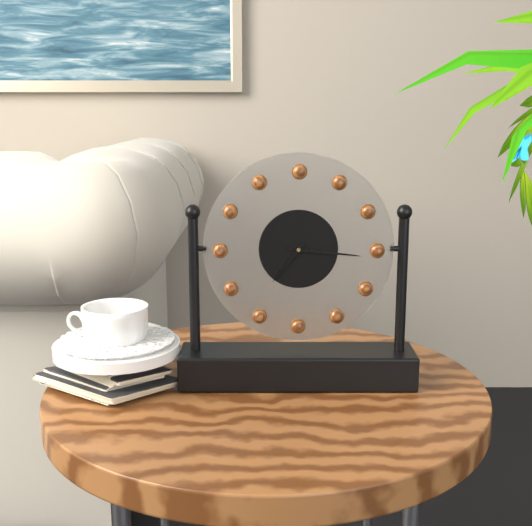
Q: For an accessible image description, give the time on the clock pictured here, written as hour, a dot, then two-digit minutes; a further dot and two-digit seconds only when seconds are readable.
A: 7.16
